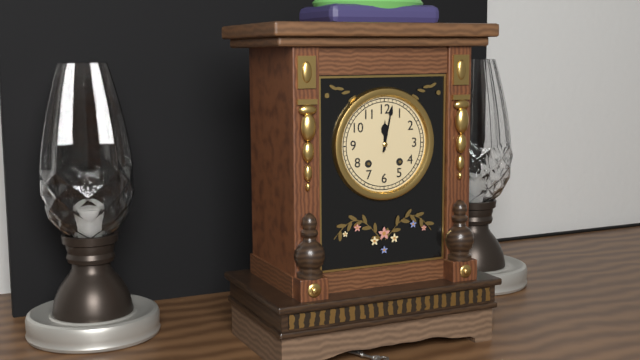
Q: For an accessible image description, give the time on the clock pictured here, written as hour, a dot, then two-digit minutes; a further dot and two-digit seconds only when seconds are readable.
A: 12.02
